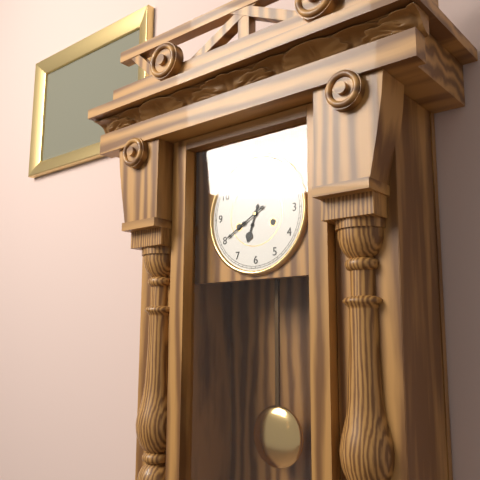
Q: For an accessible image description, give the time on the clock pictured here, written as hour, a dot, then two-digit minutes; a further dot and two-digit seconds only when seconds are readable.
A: 6.40
